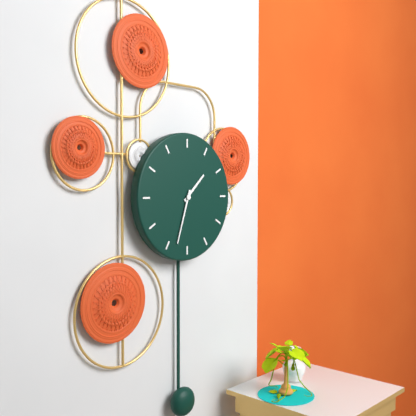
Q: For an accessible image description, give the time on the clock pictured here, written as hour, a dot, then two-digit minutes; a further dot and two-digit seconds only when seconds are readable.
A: 1.33
